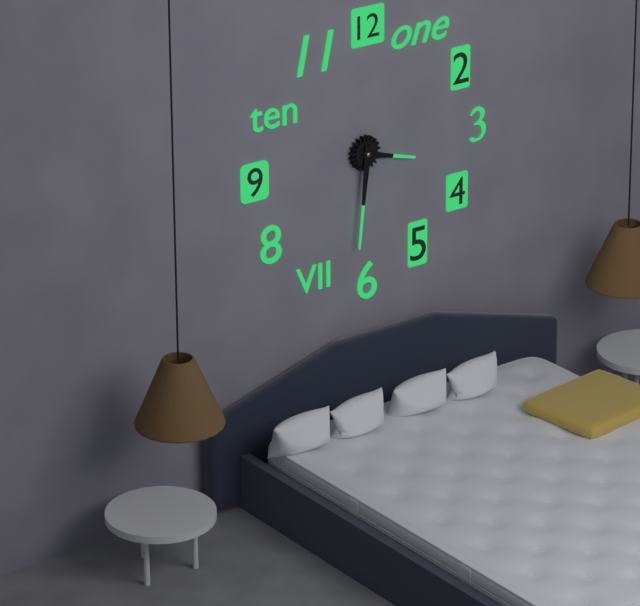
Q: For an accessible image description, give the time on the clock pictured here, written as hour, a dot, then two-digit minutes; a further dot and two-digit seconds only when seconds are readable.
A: 3.31
